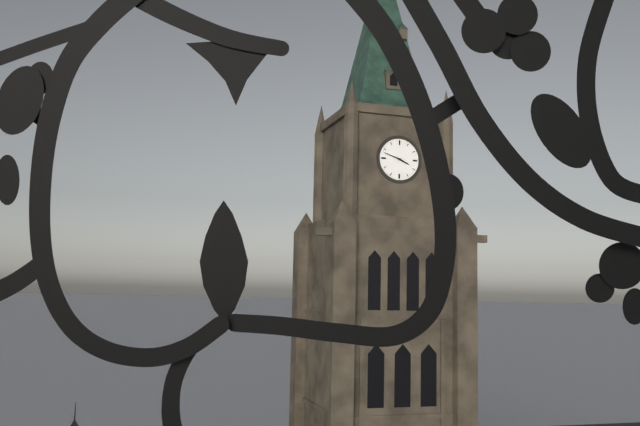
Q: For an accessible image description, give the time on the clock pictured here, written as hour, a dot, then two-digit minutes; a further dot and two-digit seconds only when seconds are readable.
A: 3.48
